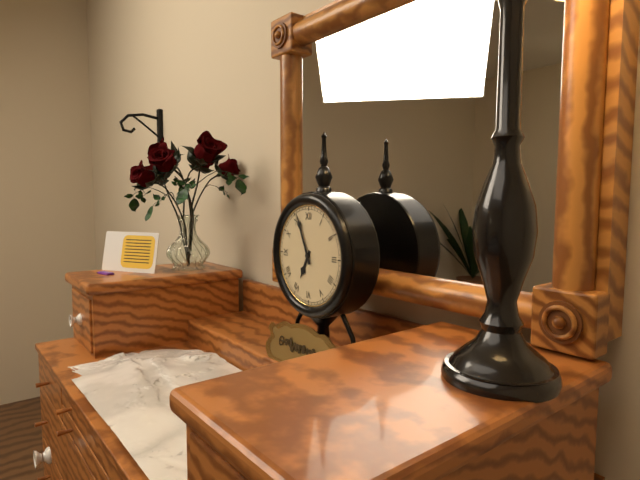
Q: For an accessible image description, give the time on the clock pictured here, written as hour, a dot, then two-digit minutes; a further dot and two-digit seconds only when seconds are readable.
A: 6.56
